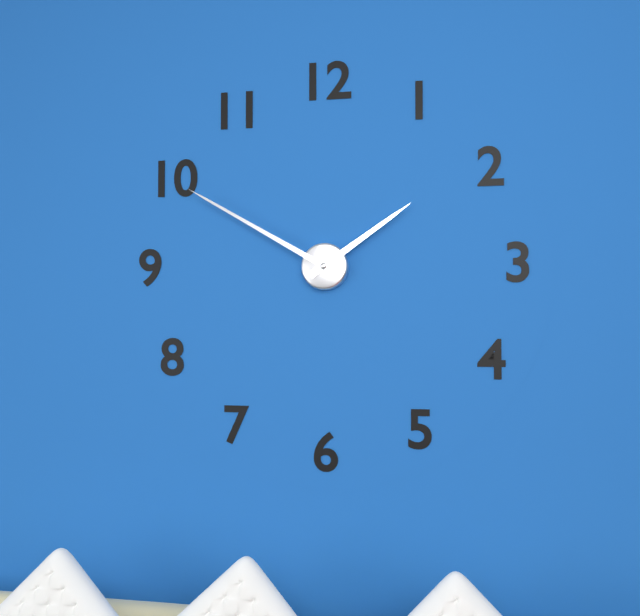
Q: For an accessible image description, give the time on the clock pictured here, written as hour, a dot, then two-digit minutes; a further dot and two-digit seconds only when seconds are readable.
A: 1.50
